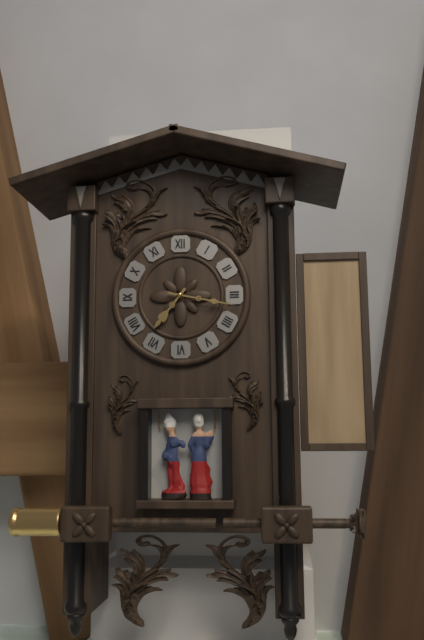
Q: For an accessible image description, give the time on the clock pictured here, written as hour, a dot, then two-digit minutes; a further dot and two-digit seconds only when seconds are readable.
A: 7.17
